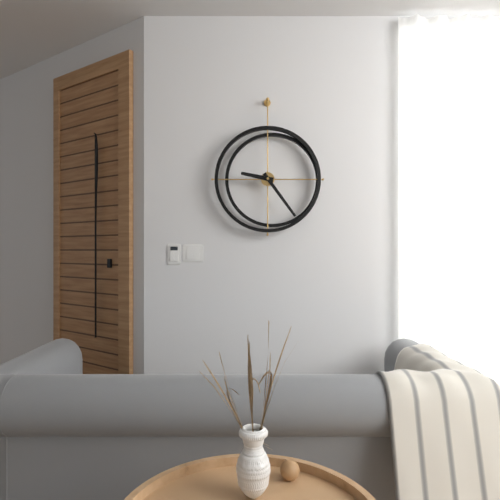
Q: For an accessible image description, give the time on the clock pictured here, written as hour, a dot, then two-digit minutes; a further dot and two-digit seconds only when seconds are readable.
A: 9.24
